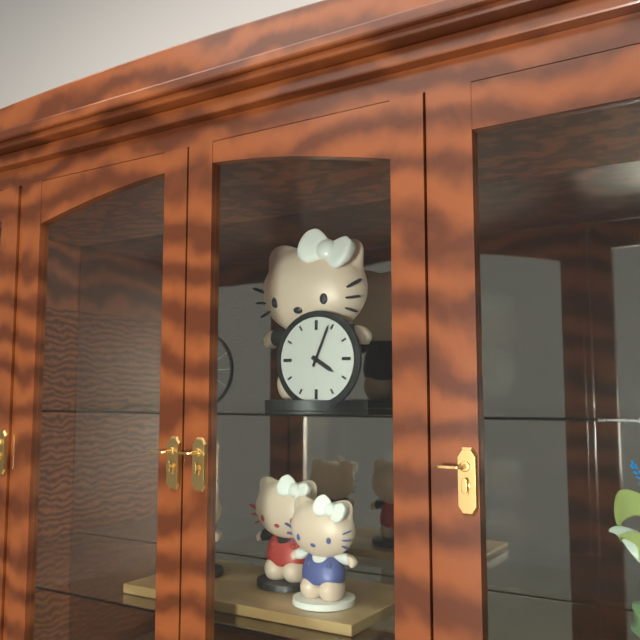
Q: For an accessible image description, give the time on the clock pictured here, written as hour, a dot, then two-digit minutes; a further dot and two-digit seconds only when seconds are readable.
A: 4.04
